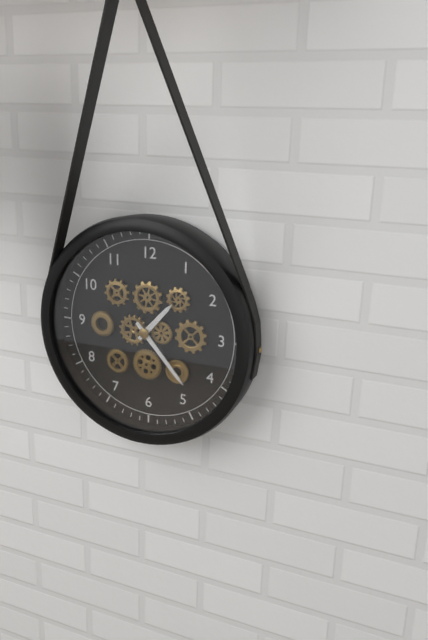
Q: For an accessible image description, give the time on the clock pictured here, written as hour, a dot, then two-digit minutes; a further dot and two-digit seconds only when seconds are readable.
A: 1.23
